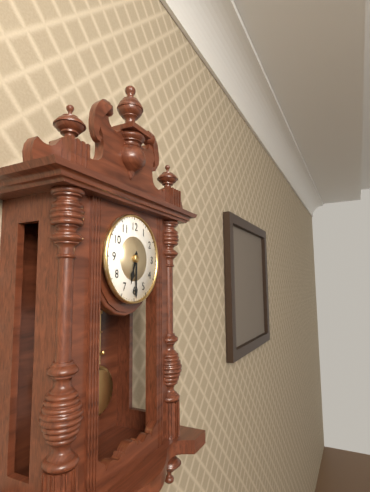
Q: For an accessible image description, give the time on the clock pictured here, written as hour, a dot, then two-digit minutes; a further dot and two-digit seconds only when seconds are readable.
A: 6.30
